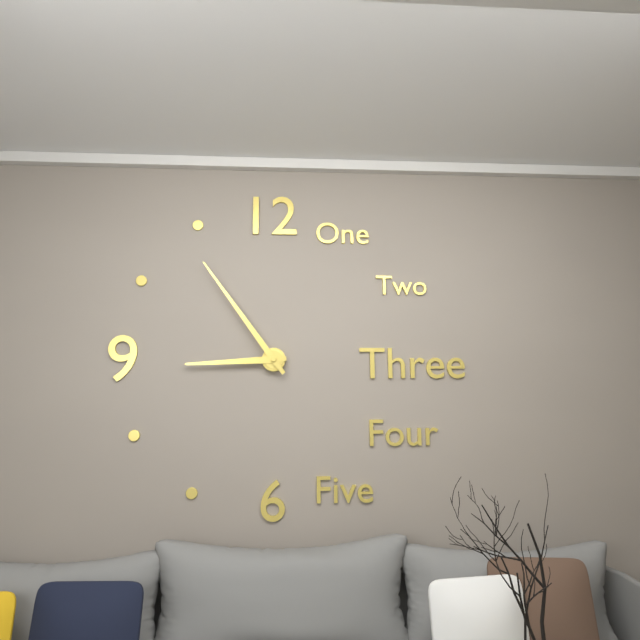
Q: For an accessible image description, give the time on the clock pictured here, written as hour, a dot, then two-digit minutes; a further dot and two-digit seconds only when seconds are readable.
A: 8.54
